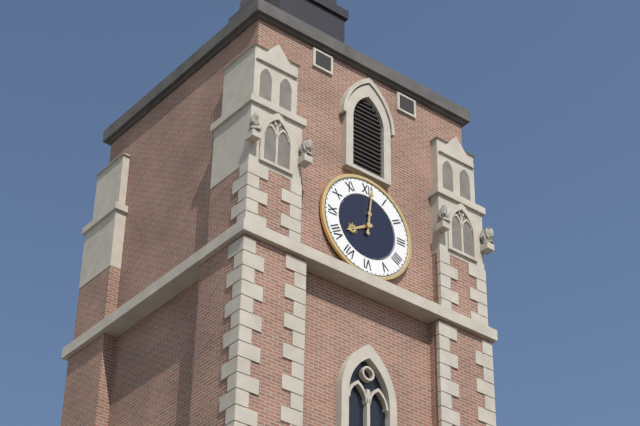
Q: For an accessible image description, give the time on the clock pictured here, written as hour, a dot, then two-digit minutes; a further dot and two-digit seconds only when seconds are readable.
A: 8.01
